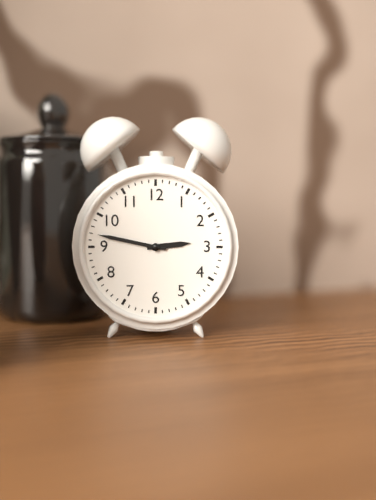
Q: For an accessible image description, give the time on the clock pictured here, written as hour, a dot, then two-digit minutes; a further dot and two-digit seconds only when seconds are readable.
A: 2.47
